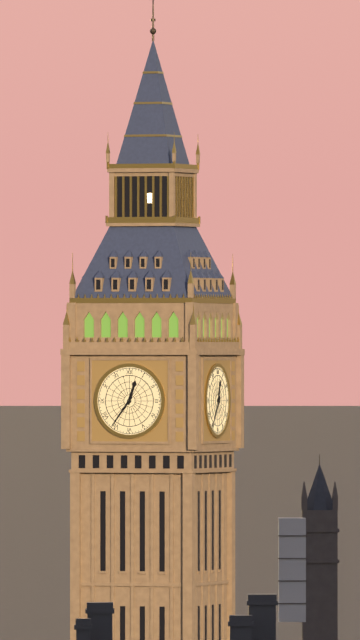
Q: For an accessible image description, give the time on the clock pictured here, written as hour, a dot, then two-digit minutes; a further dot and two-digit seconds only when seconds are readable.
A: 12.36
